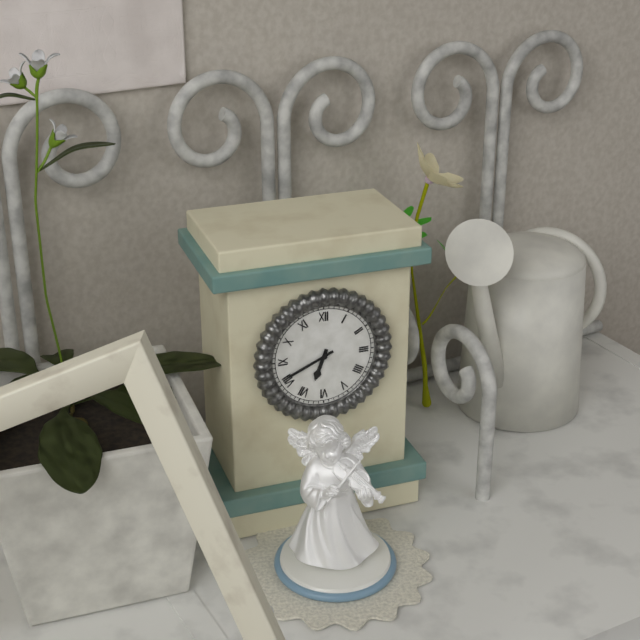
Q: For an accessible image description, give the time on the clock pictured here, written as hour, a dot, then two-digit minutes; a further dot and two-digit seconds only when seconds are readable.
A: 6.41
